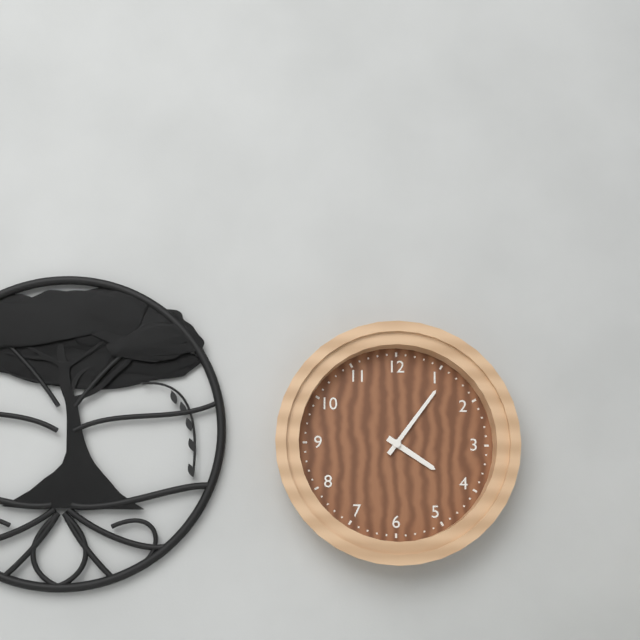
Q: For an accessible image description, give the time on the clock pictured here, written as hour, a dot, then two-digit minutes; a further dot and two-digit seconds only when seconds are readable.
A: 4.06
